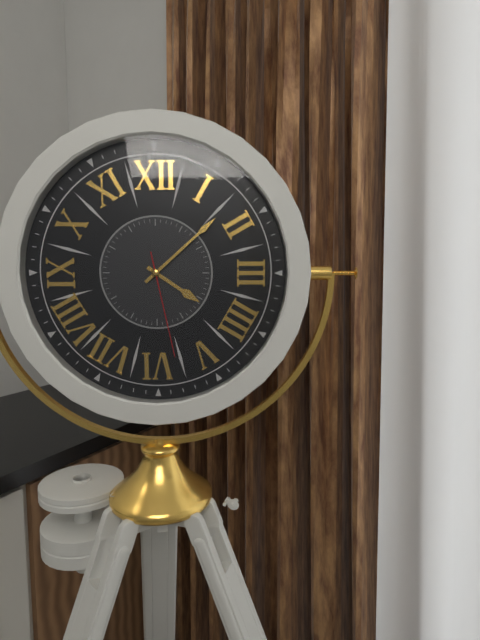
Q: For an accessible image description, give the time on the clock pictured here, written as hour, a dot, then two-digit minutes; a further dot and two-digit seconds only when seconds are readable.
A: 4.08.28
